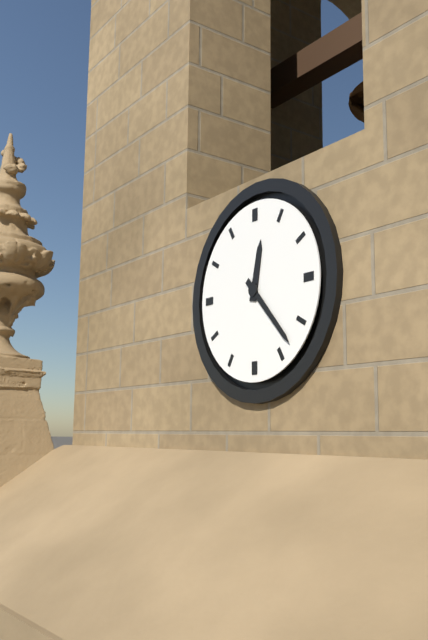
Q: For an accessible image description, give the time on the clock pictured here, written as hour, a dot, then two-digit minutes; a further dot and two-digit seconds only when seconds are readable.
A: 12.23
